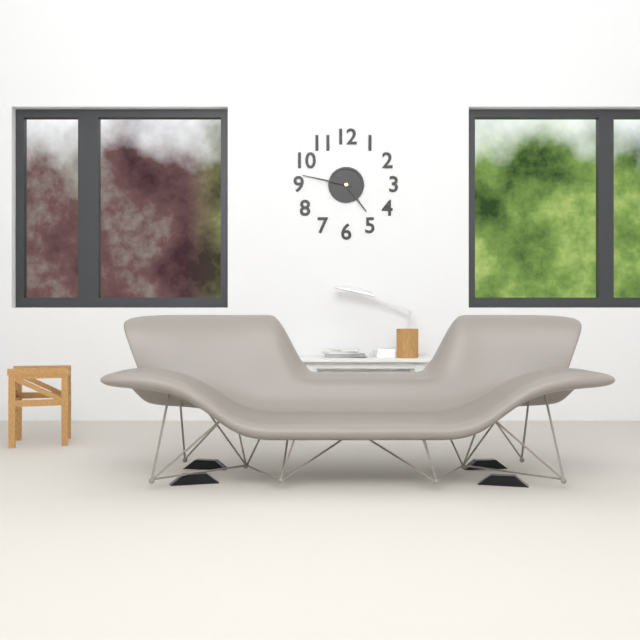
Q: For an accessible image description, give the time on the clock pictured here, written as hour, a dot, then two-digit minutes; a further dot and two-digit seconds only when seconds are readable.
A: 4.47
